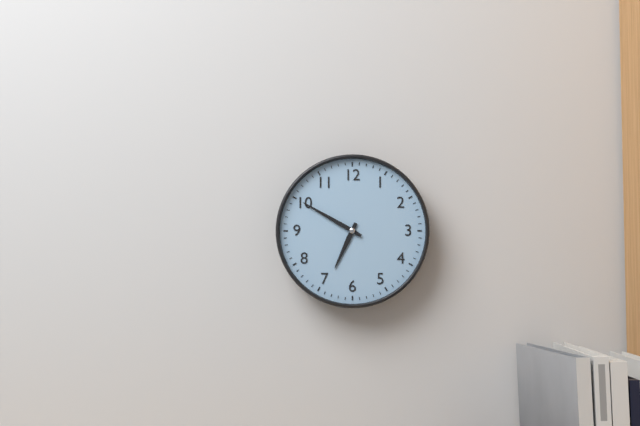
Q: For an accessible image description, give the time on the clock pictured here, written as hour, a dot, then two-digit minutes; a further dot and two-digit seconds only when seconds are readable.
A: 6.50
